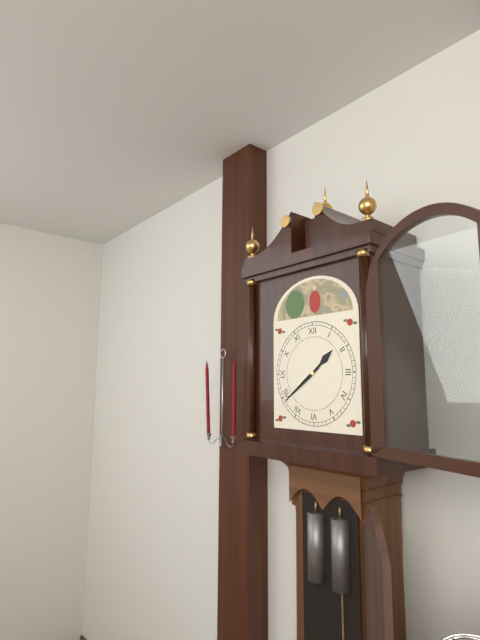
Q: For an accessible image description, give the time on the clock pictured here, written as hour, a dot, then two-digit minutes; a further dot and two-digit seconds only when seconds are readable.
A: 1.39
